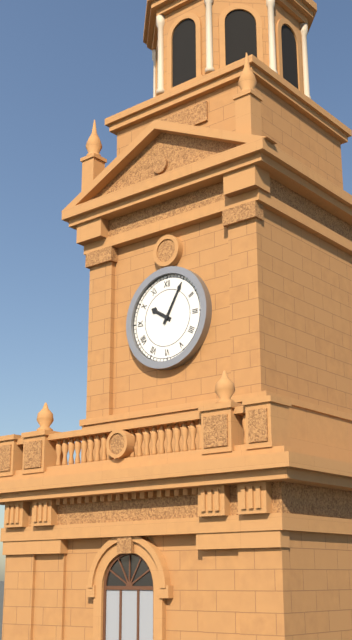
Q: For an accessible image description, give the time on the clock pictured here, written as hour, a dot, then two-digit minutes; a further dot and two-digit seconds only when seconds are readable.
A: 10.05
